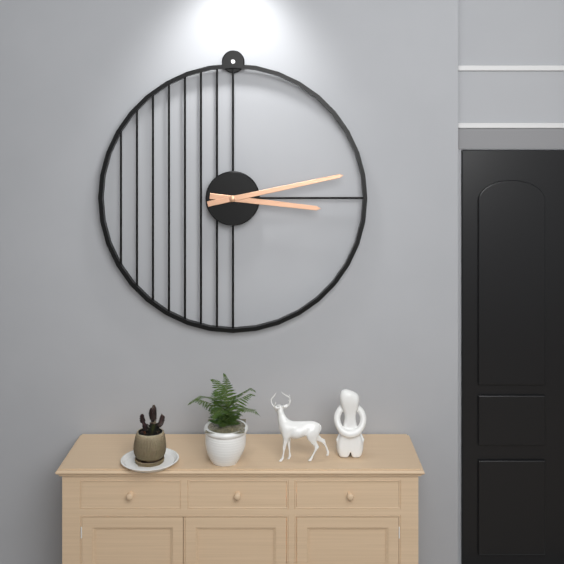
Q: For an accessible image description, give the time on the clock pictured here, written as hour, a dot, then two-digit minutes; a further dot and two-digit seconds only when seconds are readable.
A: 3.13
